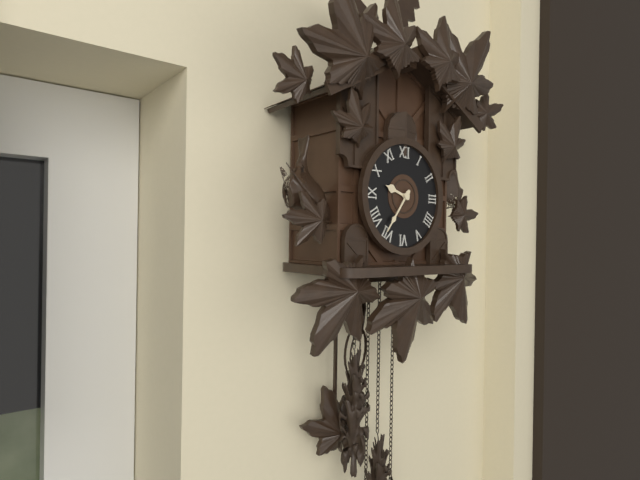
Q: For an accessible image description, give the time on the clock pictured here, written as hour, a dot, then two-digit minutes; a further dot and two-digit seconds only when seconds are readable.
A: 9.36
